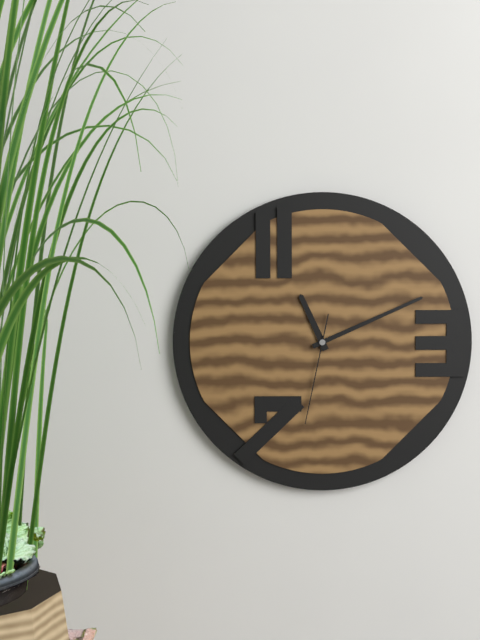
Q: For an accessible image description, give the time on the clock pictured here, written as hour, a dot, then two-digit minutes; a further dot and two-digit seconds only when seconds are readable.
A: 11.11.32
